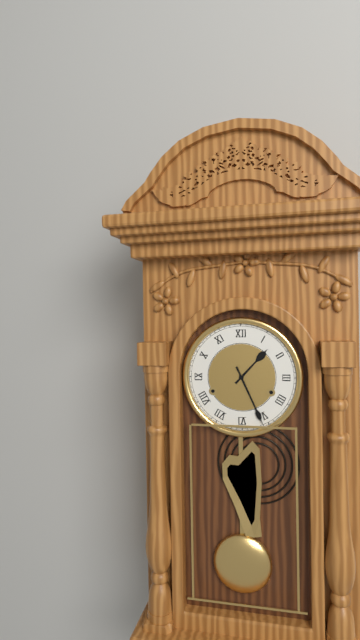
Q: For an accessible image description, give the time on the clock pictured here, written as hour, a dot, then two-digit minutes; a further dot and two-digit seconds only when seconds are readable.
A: 1.26
